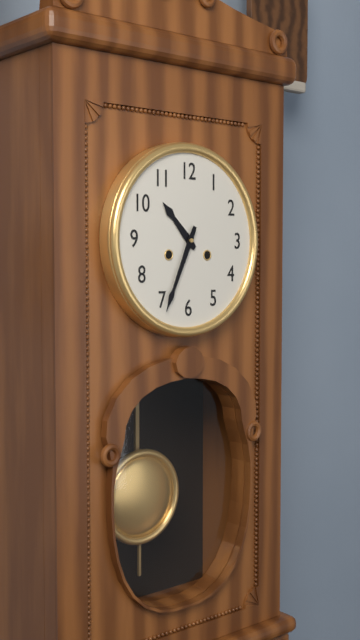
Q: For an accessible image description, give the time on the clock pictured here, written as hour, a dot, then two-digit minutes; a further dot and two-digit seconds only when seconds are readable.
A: 10.34
